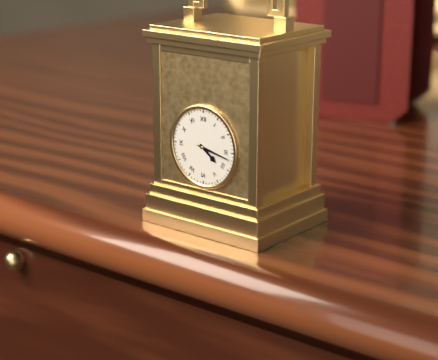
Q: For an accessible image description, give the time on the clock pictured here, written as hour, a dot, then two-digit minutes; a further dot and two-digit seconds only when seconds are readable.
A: 4.17
